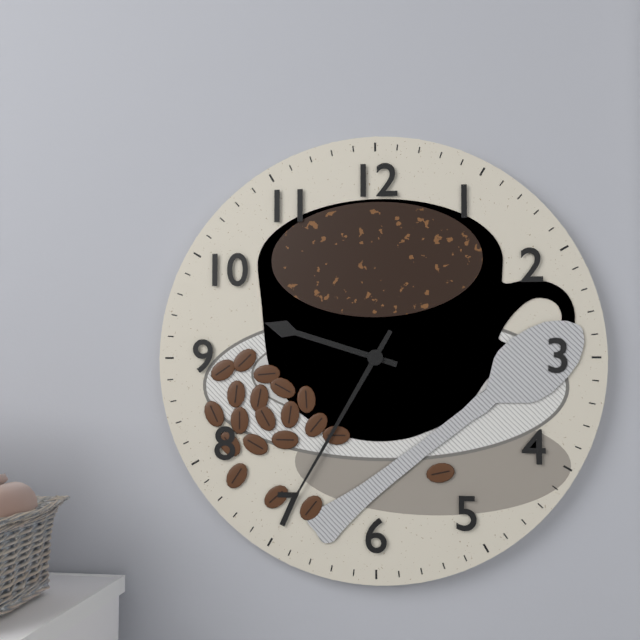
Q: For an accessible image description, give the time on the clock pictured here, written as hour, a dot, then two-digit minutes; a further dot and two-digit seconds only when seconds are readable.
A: 9.35
